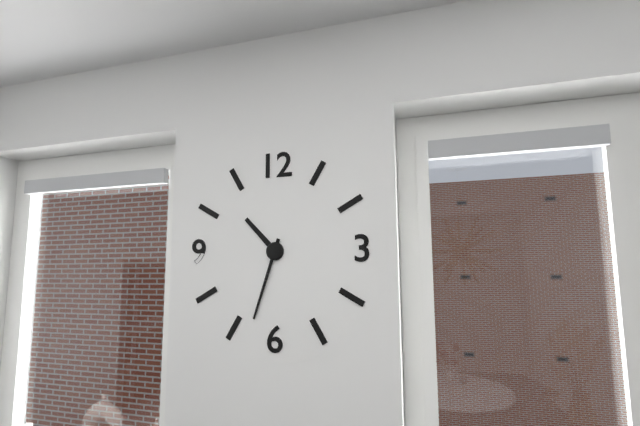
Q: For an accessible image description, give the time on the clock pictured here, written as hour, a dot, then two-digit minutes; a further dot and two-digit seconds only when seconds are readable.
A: 10.33
